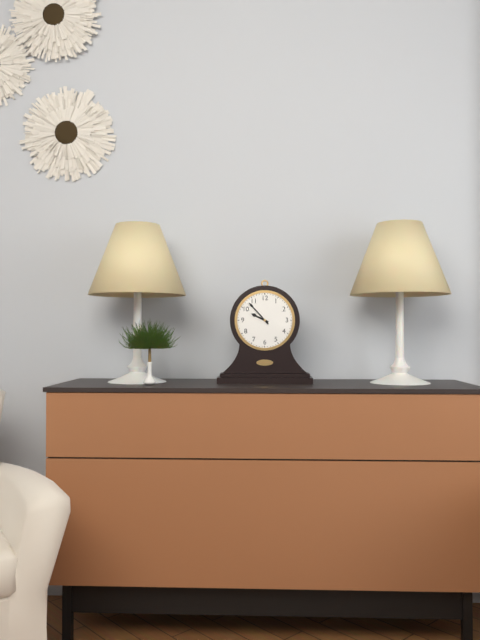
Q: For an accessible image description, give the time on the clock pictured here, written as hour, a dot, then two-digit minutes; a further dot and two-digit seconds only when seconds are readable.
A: 9.53
